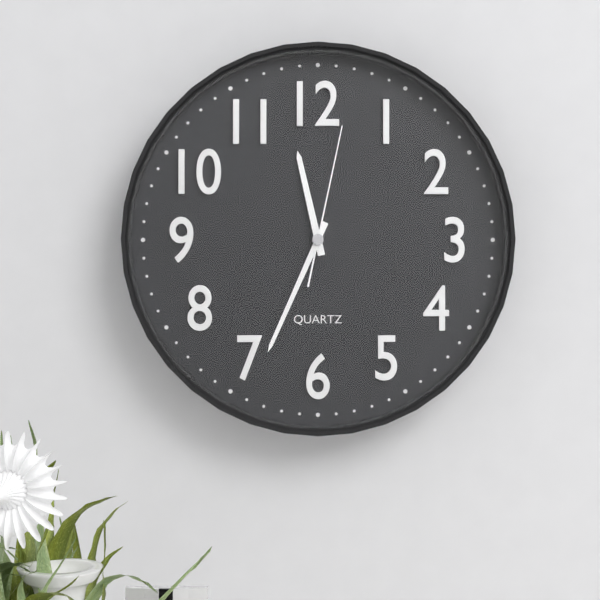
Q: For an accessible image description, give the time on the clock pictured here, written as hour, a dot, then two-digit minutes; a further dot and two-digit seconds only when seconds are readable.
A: 11.34.02
